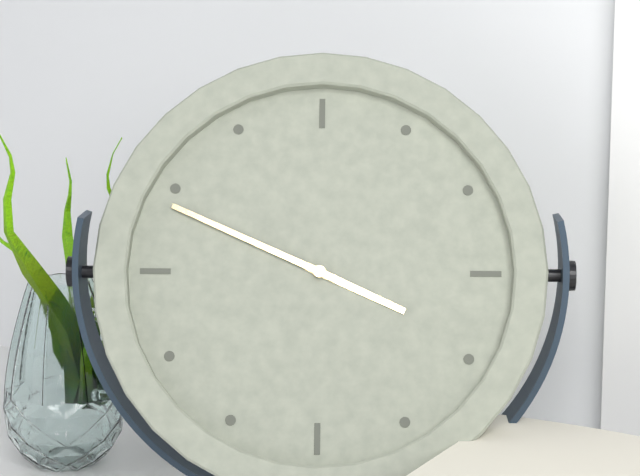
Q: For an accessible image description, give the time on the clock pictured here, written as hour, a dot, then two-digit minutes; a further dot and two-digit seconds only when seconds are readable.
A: 3.49
